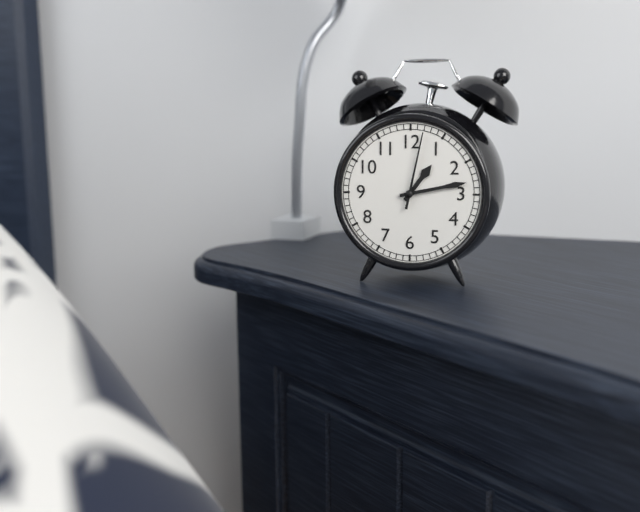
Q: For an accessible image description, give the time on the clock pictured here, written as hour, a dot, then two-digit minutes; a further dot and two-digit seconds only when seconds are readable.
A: 1.13.02
